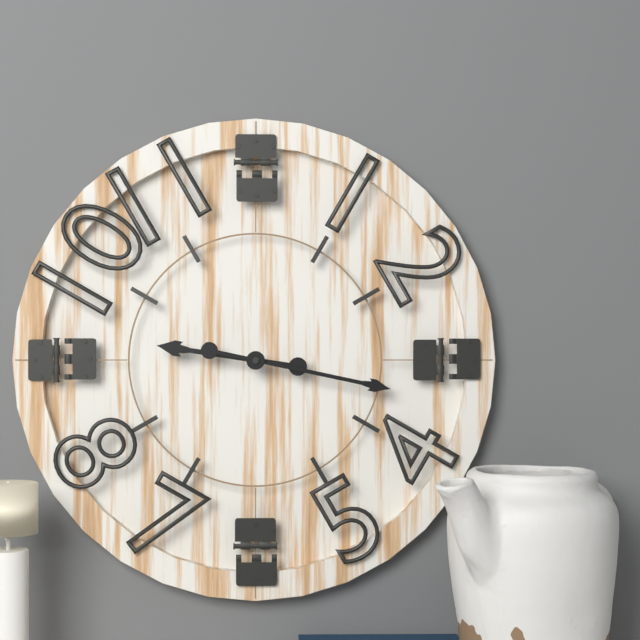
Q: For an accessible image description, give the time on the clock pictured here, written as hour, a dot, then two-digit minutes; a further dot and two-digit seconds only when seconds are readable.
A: 9.17
